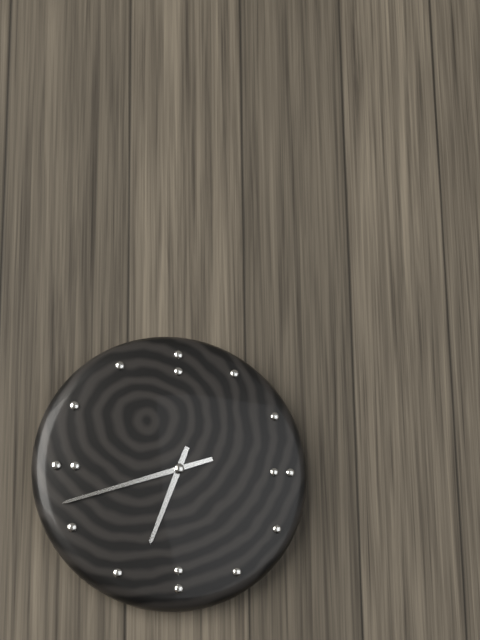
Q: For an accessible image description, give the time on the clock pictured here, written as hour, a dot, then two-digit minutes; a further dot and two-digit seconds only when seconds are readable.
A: 6.42
